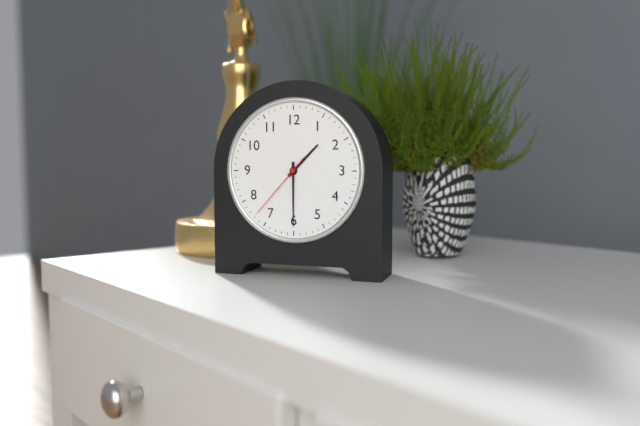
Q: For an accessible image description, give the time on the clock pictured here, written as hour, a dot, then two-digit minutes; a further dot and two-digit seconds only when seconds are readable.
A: 1.30.37
